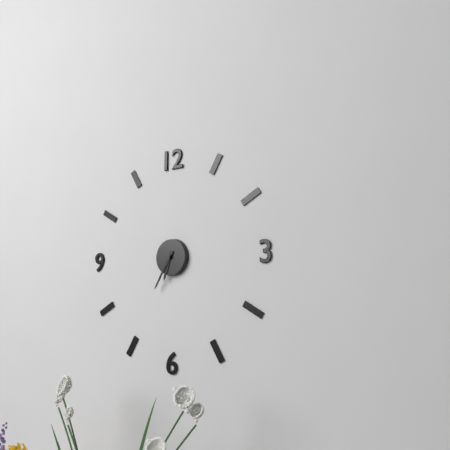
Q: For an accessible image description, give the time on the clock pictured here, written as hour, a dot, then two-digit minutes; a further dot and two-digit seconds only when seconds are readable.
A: 6.35
